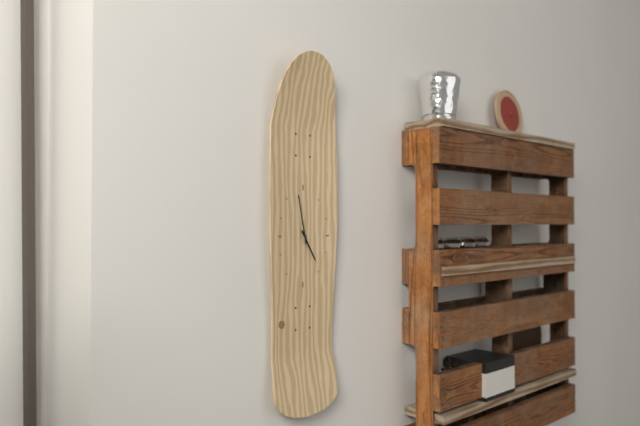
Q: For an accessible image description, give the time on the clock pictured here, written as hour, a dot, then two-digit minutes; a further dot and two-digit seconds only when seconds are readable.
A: 4.58
